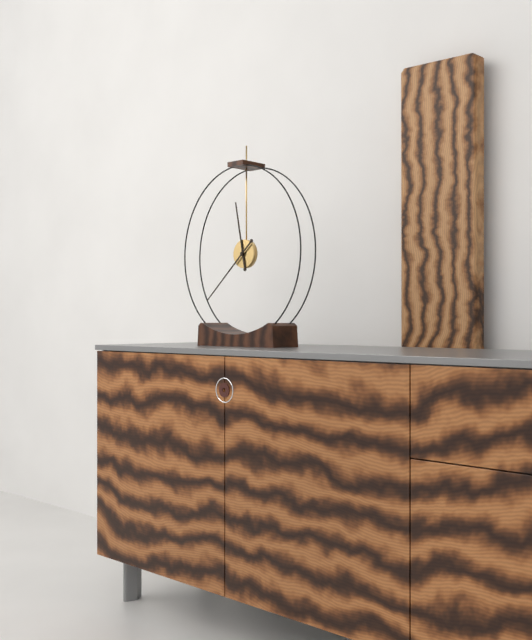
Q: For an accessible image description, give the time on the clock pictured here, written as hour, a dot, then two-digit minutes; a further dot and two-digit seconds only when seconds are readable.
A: 11.38
